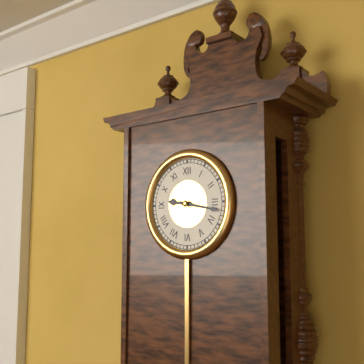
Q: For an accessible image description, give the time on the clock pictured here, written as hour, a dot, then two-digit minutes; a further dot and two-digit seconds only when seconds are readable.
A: 9.17
